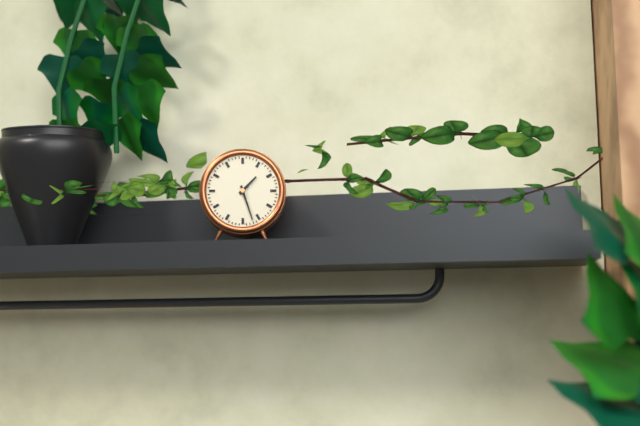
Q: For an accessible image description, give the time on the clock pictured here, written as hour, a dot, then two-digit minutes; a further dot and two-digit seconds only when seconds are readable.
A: 1.27
